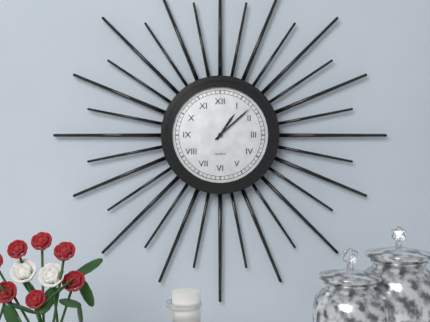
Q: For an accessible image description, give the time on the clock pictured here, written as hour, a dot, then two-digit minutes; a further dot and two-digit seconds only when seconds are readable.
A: 1.08
